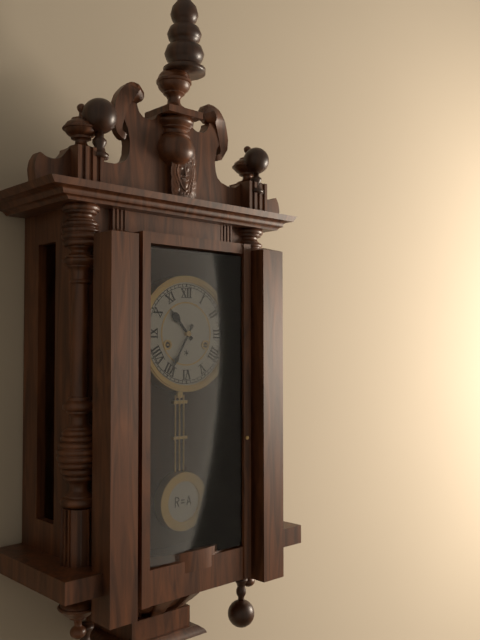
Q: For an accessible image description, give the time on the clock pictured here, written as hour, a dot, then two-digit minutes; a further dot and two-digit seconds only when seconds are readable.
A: 10.35
